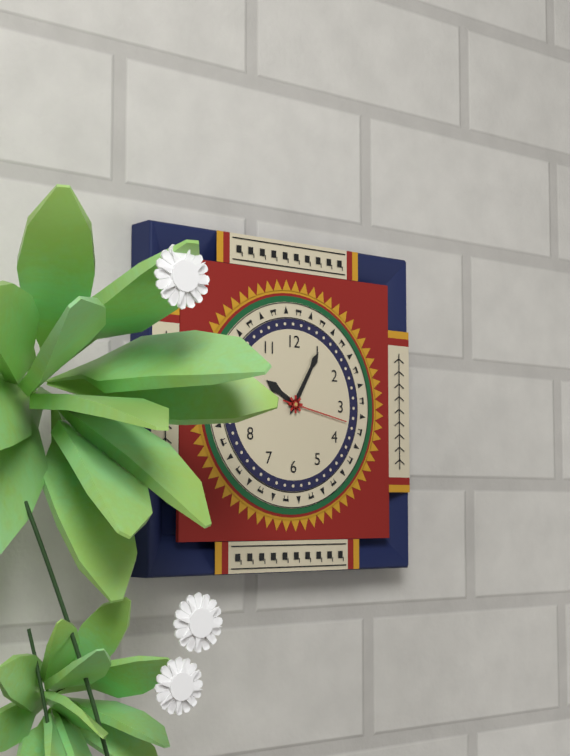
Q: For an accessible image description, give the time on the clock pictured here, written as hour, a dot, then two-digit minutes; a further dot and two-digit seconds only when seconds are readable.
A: 10.05.17
